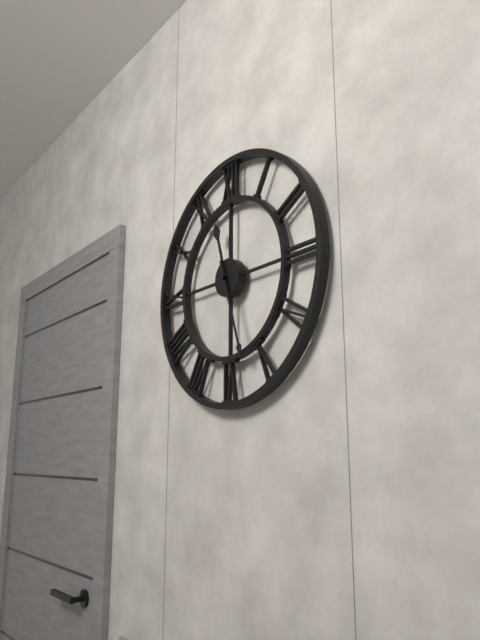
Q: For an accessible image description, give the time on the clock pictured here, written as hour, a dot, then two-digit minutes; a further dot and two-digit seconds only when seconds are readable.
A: 11.27
